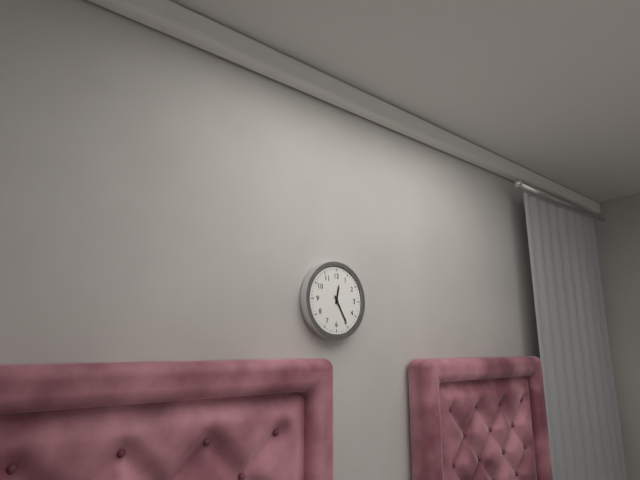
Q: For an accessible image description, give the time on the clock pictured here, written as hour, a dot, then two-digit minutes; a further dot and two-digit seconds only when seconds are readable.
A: 12.25
